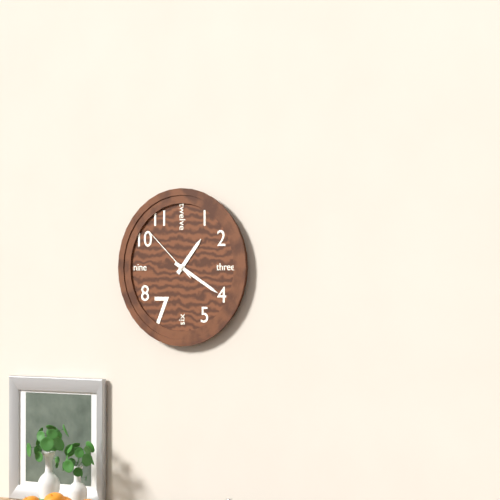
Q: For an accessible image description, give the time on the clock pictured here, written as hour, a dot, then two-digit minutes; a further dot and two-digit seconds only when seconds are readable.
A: 1.20.52
